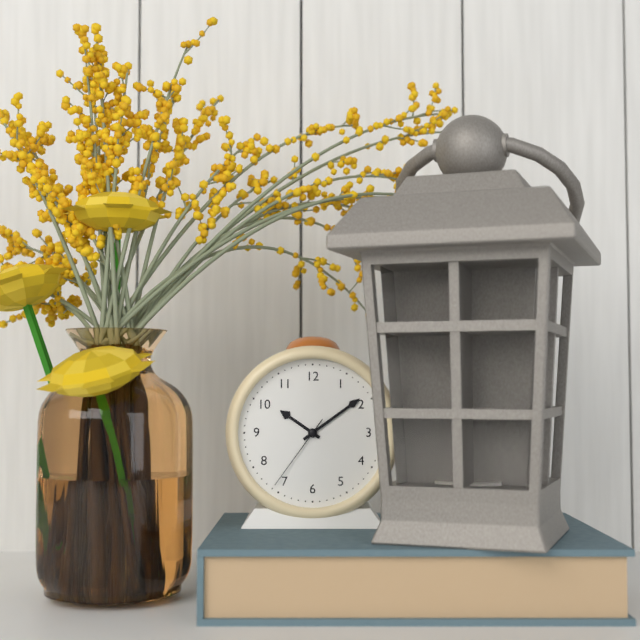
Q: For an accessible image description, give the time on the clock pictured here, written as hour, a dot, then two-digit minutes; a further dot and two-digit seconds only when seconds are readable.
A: 10.09.36
